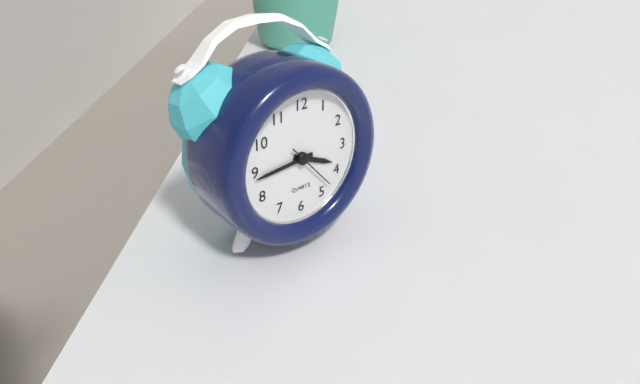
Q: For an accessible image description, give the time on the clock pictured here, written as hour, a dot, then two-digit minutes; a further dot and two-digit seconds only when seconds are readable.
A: 3.44
